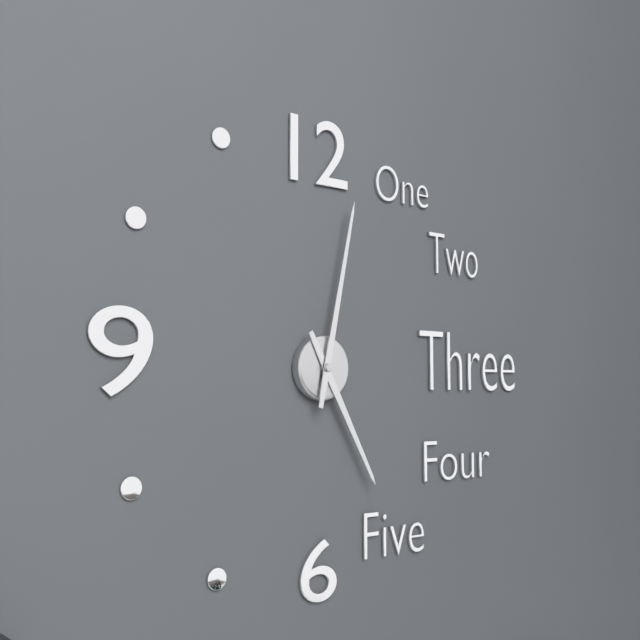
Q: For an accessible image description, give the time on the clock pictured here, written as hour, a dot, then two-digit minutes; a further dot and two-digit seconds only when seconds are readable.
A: 5.02
